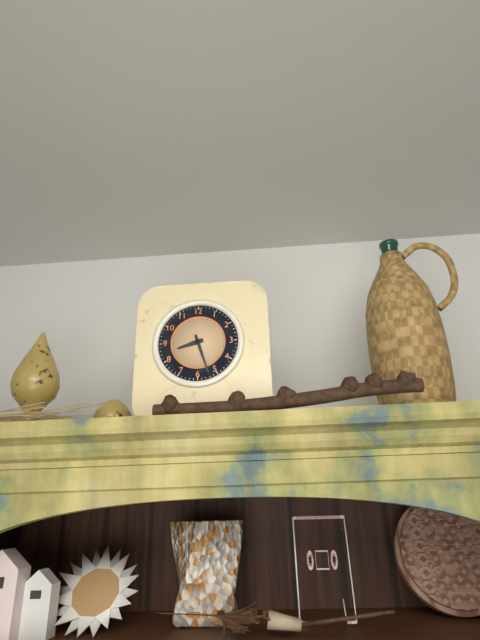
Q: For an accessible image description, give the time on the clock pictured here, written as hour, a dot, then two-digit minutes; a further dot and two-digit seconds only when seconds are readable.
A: 8.27
